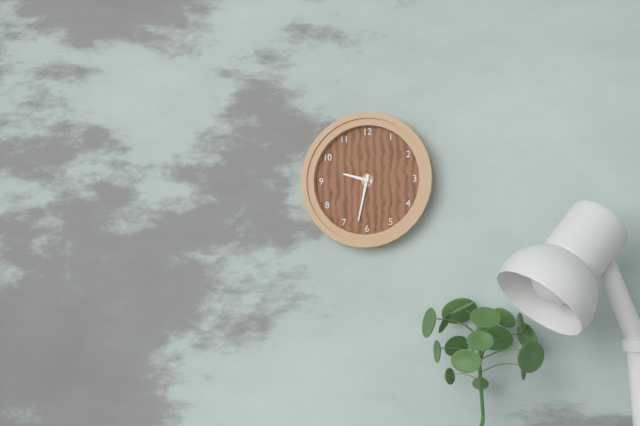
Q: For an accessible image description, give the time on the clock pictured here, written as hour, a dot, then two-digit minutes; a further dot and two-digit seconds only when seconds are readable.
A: 9.32
